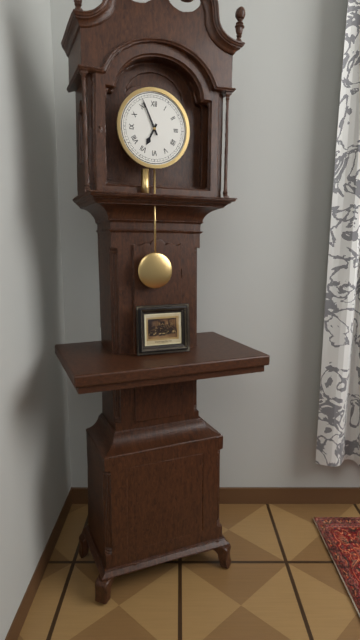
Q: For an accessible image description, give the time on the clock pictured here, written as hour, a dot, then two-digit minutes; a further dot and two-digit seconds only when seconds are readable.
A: 6.56
